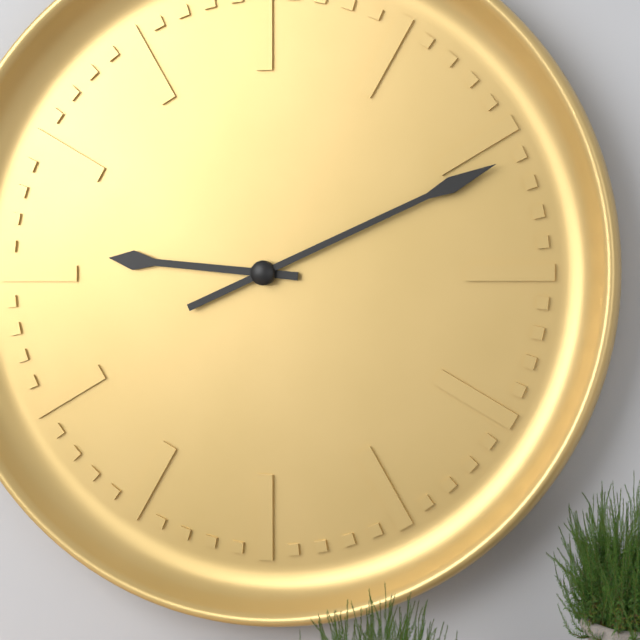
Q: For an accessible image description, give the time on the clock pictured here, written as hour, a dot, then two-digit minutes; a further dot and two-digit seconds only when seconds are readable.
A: 9.11
